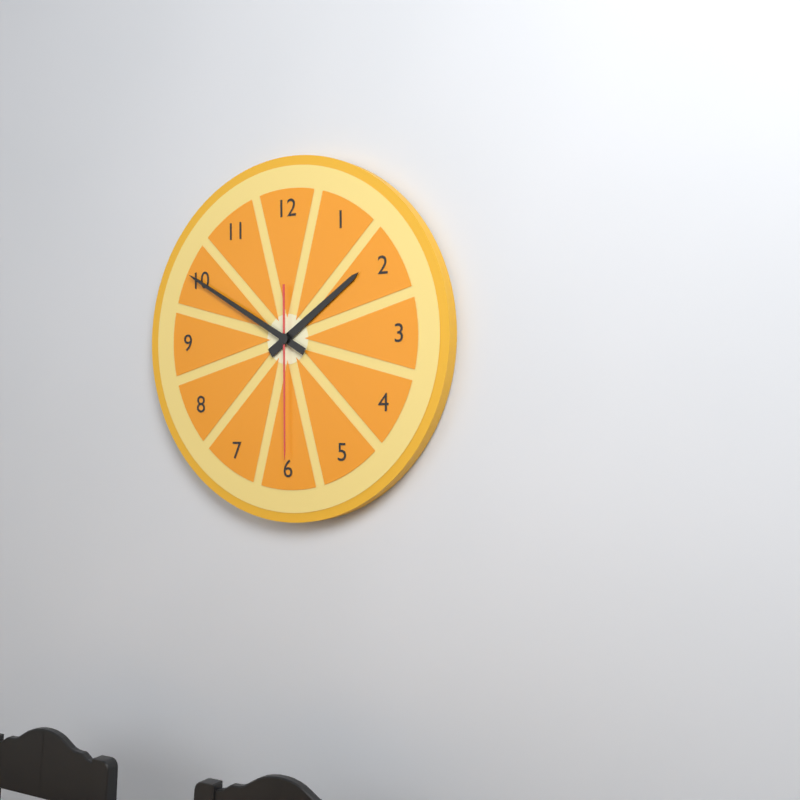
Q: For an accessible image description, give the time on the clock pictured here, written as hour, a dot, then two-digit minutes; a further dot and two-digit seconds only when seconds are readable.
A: 1.50.30
